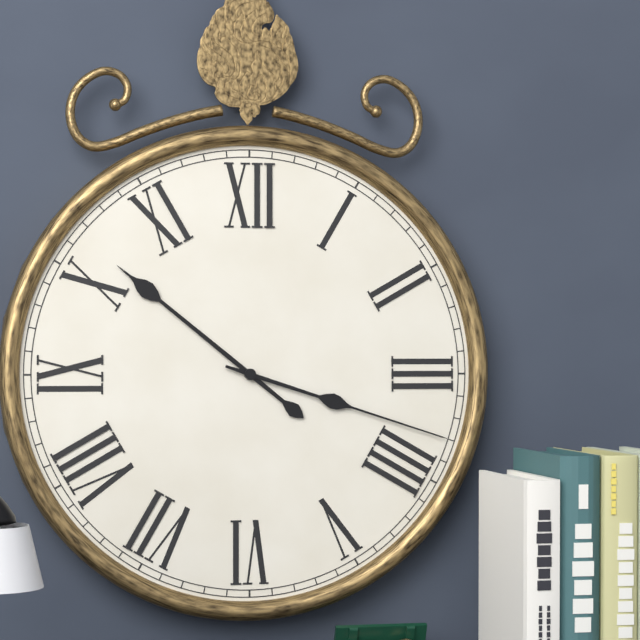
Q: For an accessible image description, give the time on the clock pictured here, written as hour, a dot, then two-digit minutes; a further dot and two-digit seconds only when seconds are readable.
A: 10.18
